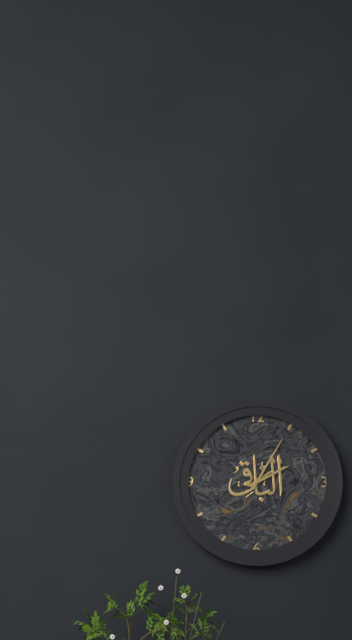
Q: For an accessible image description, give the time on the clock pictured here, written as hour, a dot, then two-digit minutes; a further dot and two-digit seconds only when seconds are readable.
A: 2.05
